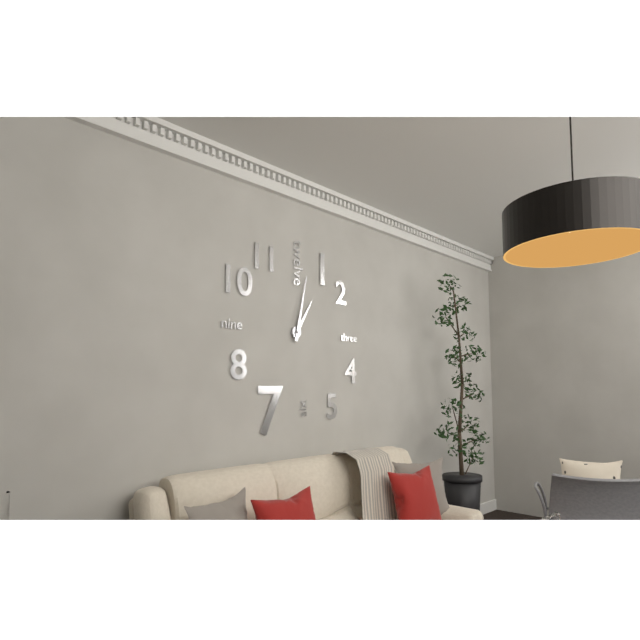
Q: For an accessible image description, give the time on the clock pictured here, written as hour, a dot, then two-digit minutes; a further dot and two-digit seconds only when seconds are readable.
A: 1.02
